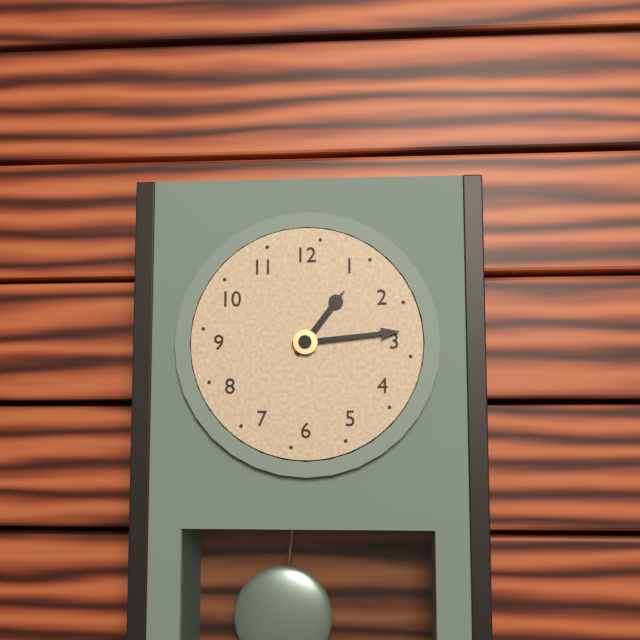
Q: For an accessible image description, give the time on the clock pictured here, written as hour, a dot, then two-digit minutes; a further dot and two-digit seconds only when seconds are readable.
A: 1.14
